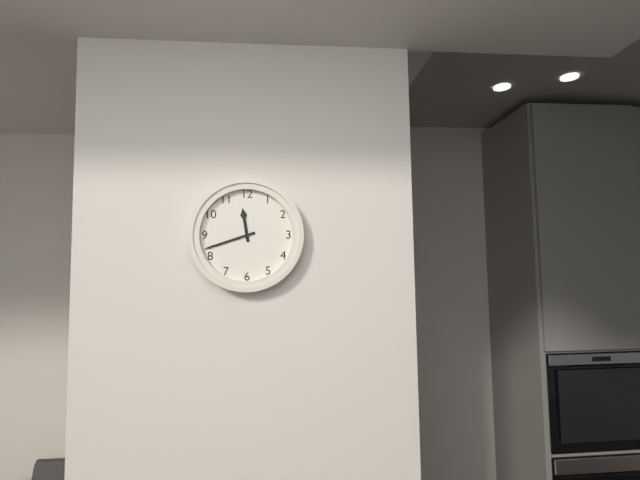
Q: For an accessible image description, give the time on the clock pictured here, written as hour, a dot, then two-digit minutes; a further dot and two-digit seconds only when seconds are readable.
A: 11.42
